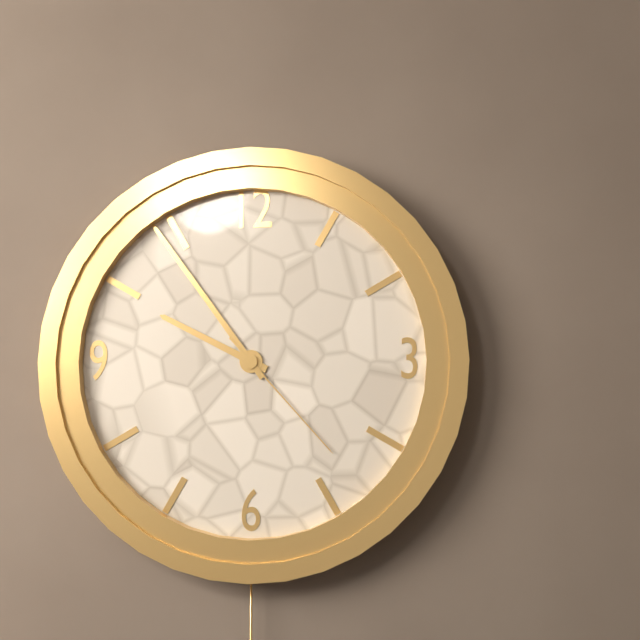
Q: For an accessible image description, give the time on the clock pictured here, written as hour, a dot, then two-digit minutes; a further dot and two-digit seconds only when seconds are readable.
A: 9.54.23
